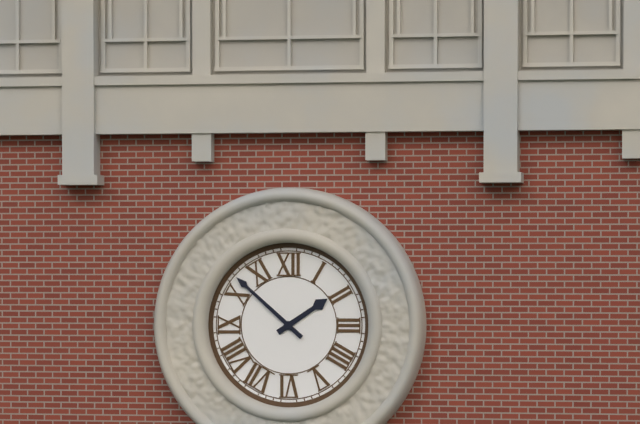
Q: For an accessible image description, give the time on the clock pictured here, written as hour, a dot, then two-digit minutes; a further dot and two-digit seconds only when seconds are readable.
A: 1.52
